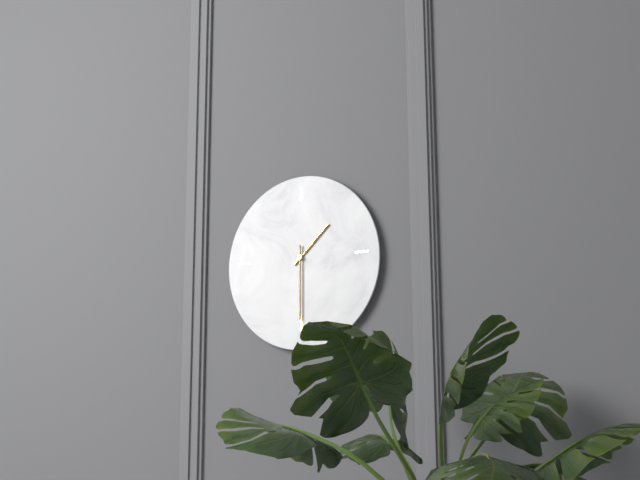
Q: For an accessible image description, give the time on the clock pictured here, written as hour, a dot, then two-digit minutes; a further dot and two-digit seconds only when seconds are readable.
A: 1.30
